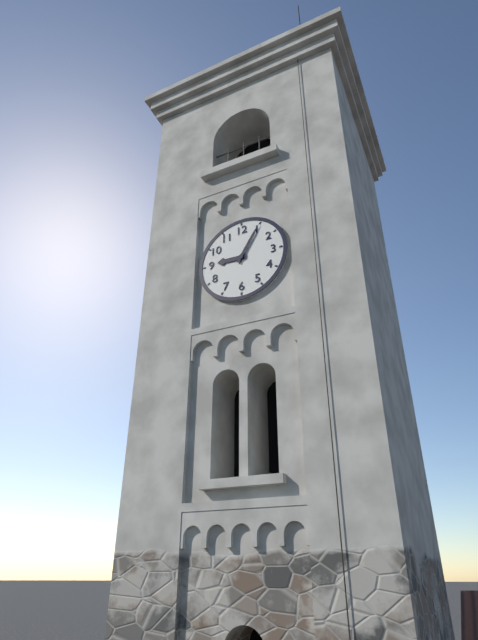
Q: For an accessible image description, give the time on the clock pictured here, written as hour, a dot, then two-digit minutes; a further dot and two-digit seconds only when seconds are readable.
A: 9.05
